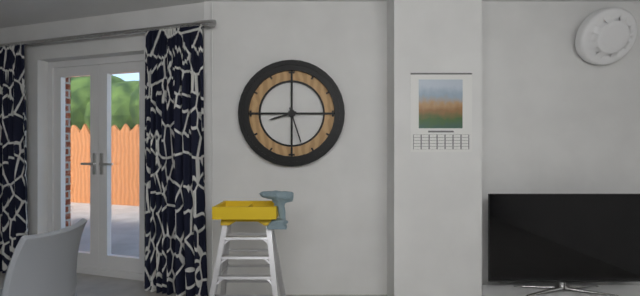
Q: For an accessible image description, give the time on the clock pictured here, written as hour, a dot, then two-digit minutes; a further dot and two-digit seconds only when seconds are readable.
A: 8.27
